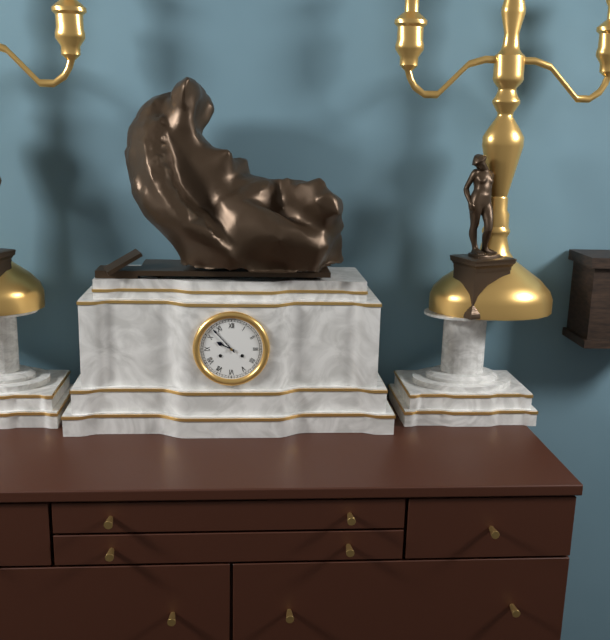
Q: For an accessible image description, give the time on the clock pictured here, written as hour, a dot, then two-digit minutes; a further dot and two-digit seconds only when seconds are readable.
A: 9.53
